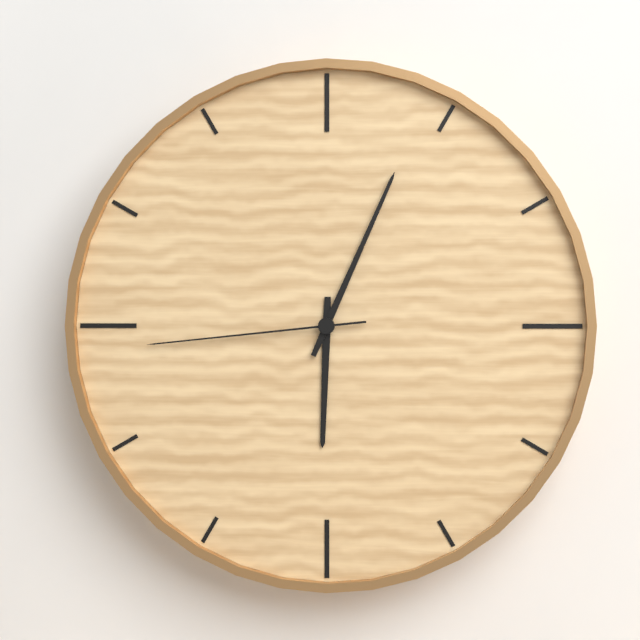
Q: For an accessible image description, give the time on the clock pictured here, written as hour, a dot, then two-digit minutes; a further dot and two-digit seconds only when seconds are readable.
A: 6.04.44
